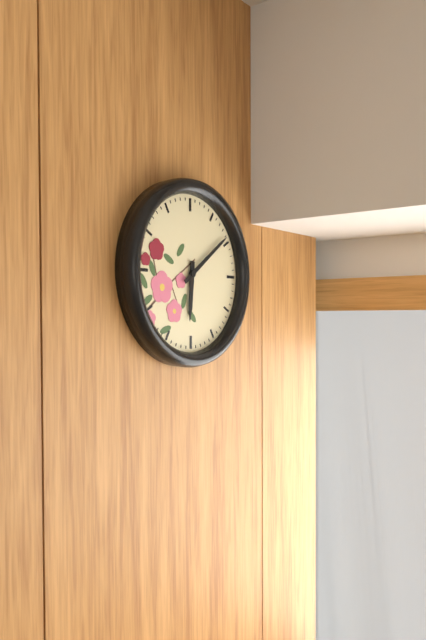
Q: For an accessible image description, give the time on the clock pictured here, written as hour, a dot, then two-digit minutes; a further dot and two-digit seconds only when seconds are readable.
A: 6.09
